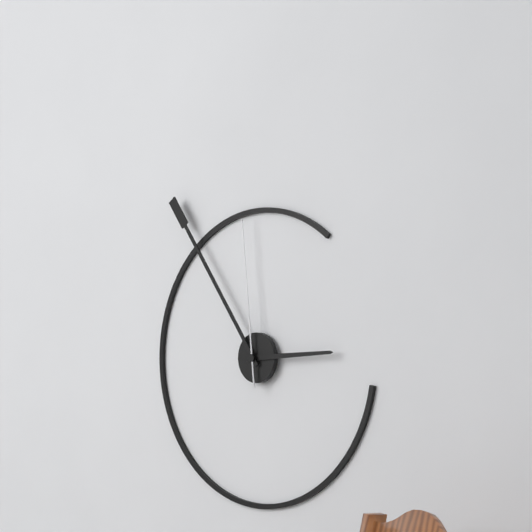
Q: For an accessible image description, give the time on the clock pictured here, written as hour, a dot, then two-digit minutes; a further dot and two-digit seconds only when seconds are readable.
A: 2.54.59
